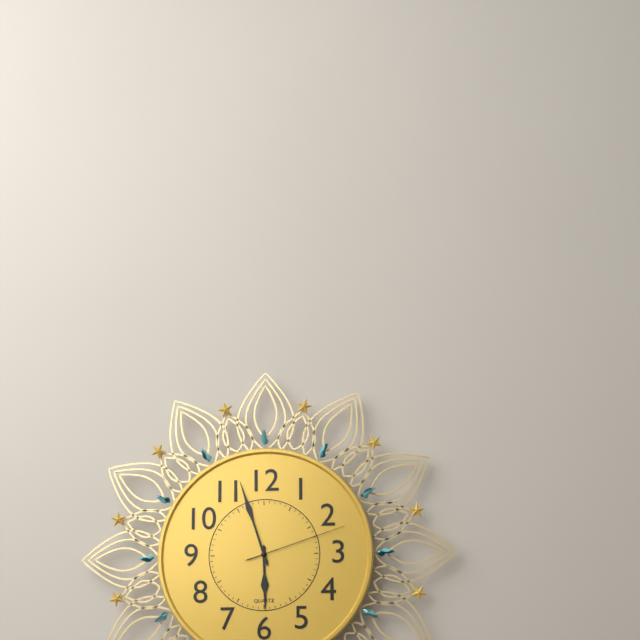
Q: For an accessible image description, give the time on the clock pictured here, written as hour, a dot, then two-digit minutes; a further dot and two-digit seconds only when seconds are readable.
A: 5.57.12
